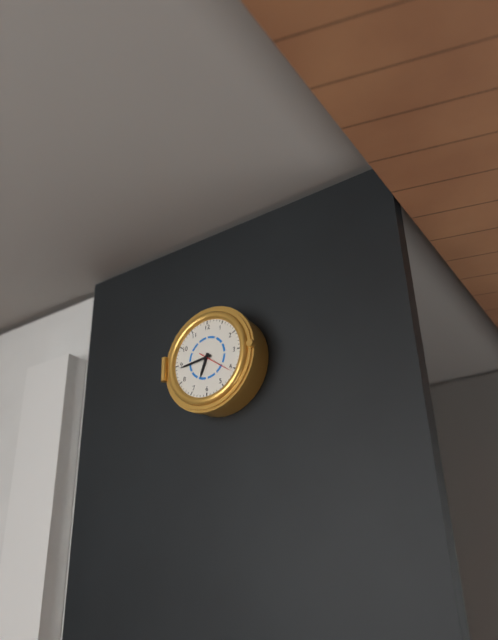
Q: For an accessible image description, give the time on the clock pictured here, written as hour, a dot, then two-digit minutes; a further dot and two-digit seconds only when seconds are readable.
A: 6.44
